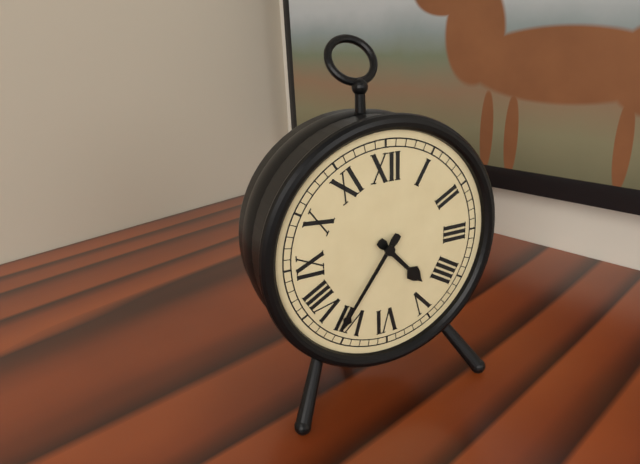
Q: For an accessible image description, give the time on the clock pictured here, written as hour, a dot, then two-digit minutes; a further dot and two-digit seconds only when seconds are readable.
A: 4.36
